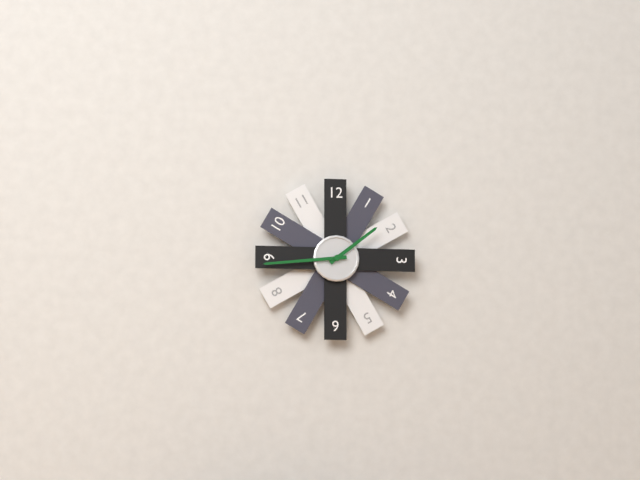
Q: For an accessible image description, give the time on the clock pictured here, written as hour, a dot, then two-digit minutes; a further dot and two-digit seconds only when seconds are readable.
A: 1.44
